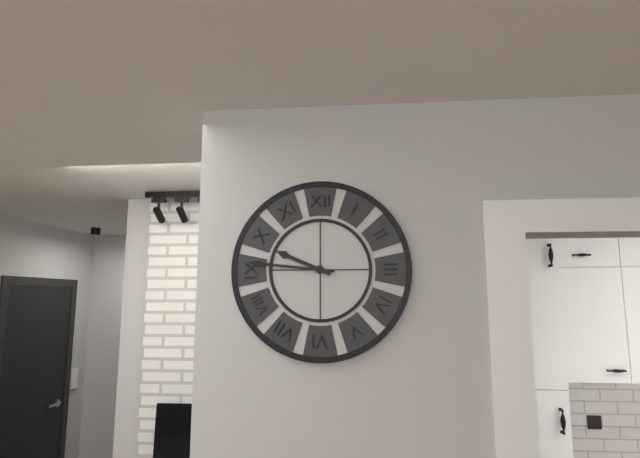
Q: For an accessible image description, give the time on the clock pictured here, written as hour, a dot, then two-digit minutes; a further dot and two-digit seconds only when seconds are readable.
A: 9.46
